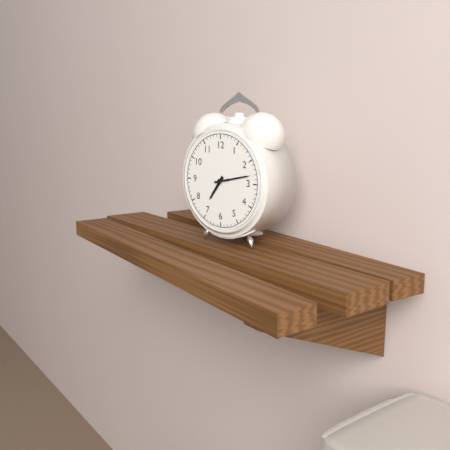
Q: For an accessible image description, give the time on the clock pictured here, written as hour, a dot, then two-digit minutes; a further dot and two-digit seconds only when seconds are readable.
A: 7.13
